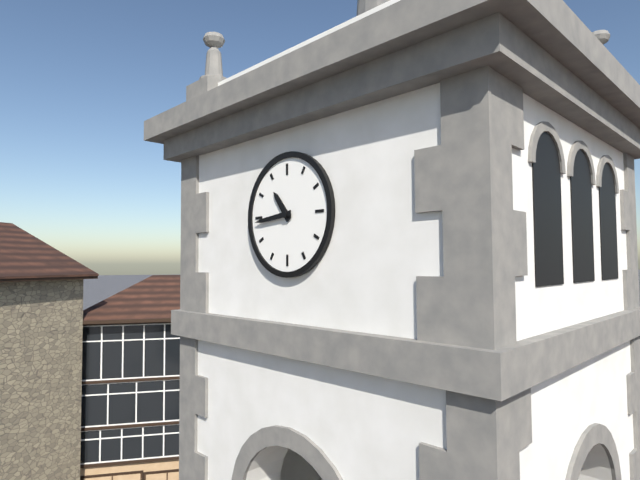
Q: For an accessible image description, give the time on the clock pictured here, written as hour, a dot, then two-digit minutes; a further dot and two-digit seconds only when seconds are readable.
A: 10.44
